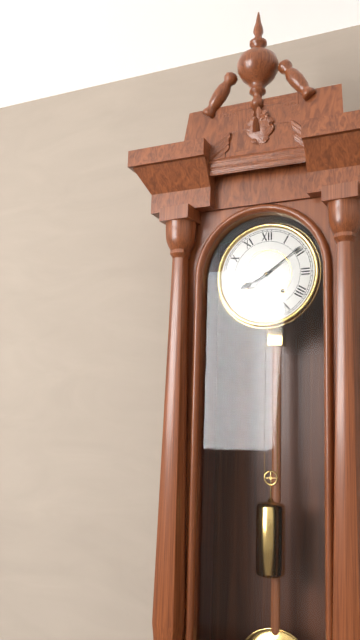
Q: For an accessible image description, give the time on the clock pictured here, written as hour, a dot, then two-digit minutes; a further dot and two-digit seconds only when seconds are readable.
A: 8.09
